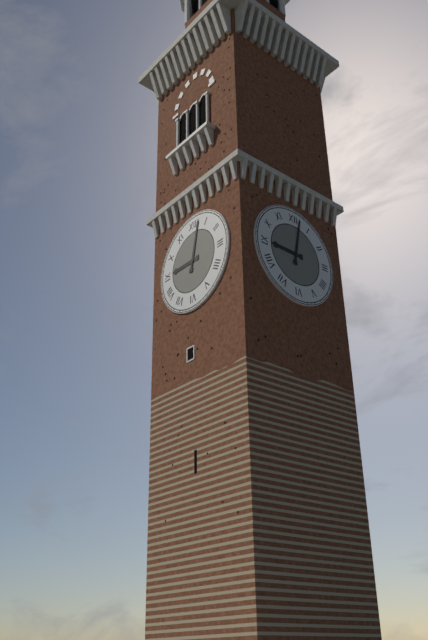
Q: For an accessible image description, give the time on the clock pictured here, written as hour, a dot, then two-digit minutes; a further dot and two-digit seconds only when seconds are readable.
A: 9.02
